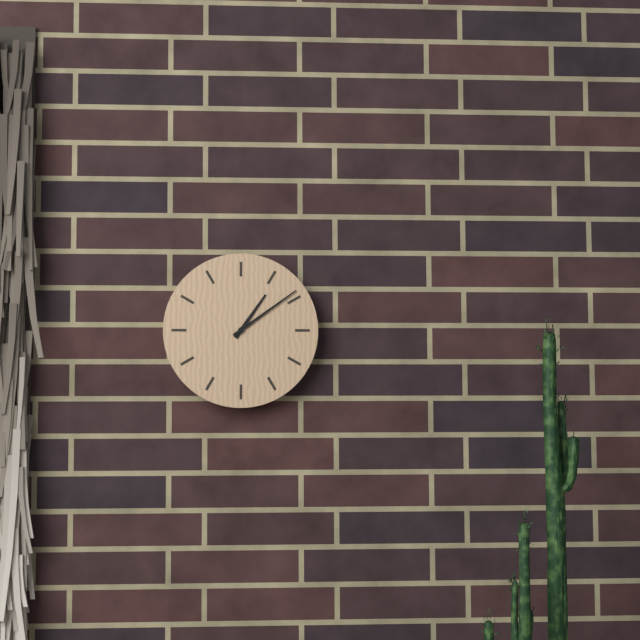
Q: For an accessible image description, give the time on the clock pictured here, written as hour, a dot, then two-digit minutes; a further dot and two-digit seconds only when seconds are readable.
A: 1.09
